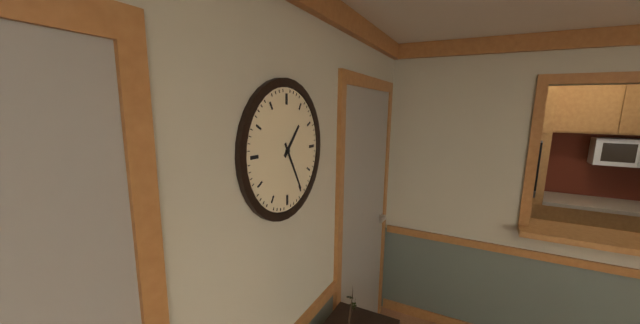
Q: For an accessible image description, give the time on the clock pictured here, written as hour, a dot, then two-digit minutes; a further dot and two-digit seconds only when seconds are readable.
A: 1.25
